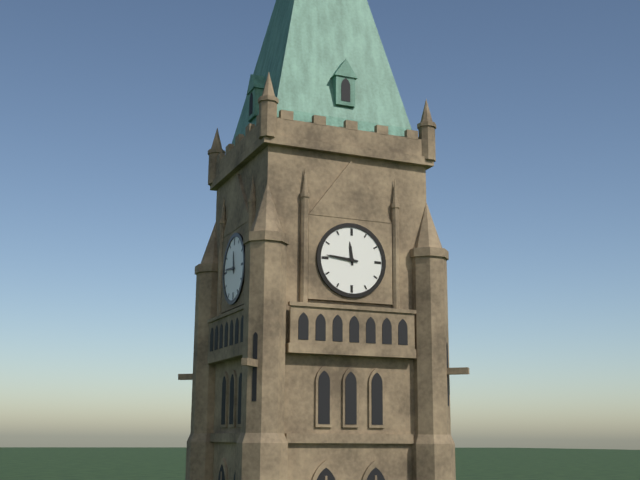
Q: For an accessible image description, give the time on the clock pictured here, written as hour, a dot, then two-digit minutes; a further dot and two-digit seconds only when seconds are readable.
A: 11.46
